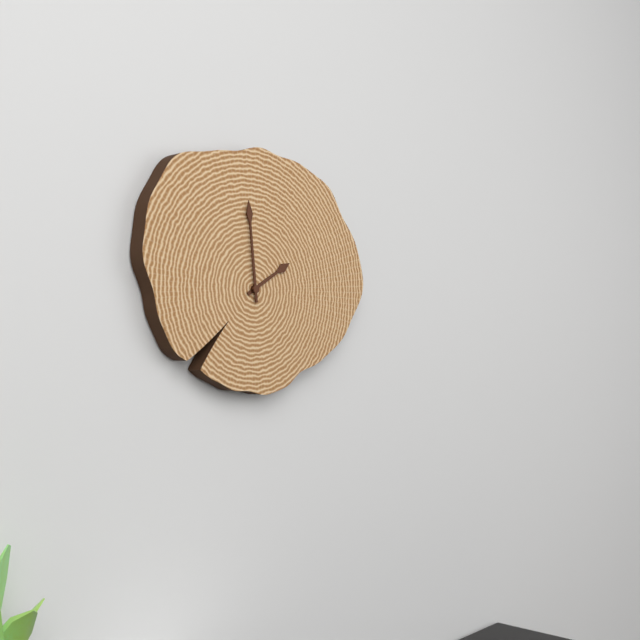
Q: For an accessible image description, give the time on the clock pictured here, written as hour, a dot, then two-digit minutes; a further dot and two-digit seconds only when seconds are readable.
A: 1.59
